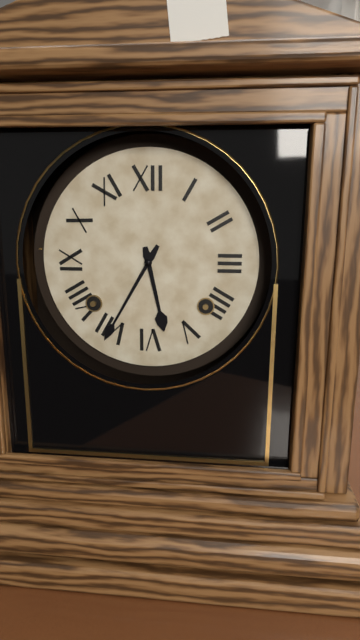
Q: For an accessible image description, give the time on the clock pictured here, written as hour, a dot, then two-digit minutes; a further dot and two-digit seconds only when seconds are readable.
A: 5.35
